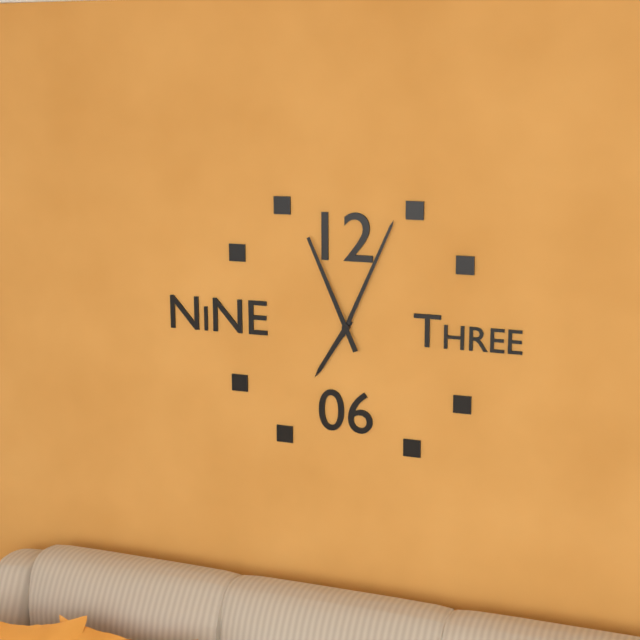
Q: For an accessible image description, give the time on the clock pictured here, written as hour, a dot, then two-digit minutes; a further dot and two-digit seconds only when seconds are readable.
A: 7.04.56
